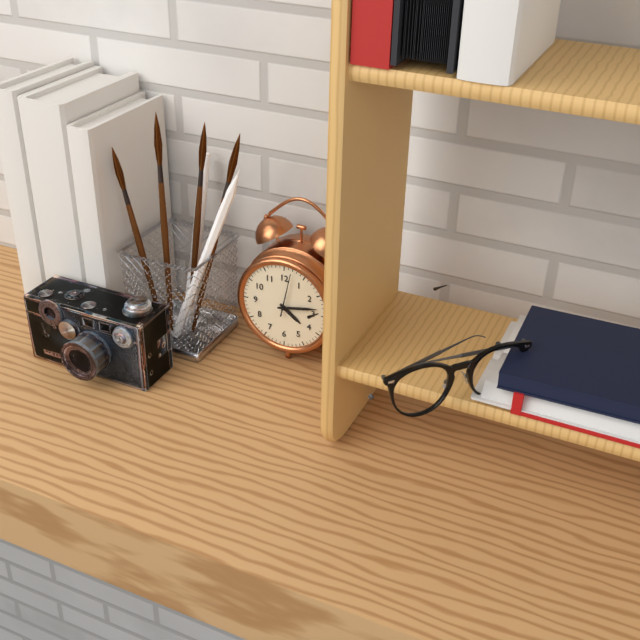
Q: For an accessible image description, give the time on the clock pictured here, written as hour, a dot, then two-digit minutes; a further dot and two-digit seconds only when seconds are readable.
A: 4.13
